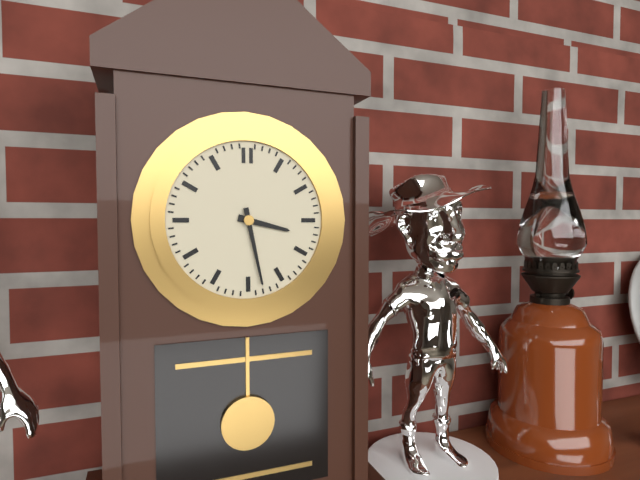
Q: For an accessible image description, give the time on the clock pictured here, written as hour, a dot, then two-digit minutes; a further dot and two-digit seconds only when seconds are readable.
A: 3.28
